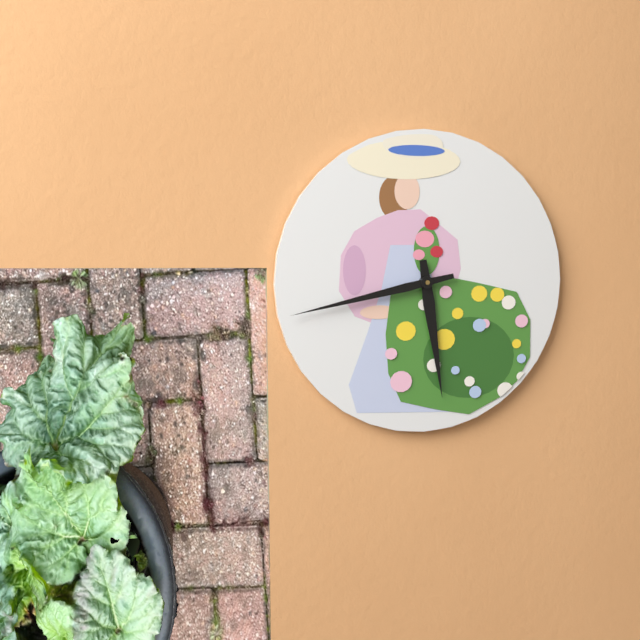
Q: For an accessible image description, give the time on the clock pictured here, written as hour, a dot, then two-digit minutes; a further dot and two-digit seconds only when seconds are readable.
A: 5.43
